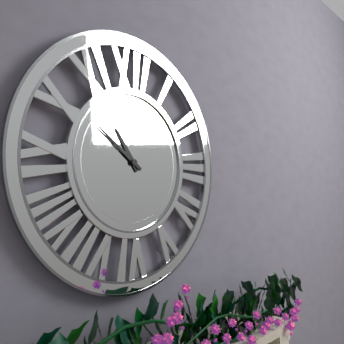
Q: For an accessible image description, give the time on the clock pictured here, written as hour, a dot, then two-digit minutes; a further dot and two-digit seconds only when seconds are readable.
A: 10.51
